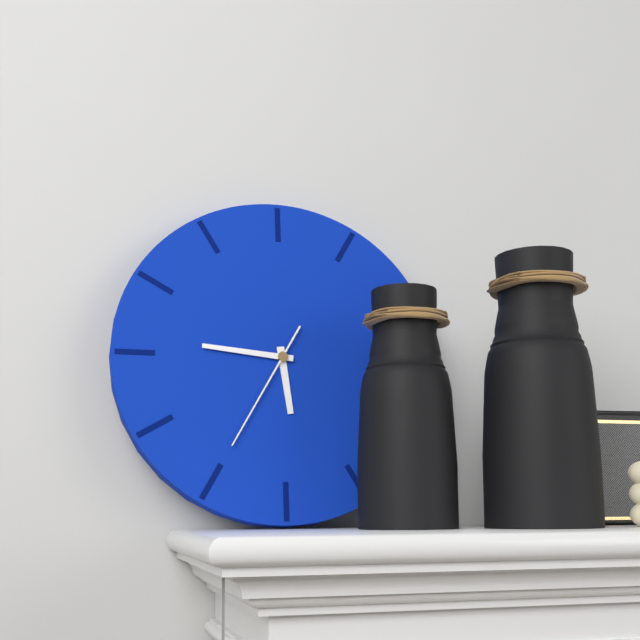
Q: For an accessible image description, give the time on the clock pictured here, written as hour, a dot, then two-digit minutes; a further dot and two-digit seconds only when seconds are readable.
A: 5.46.35
